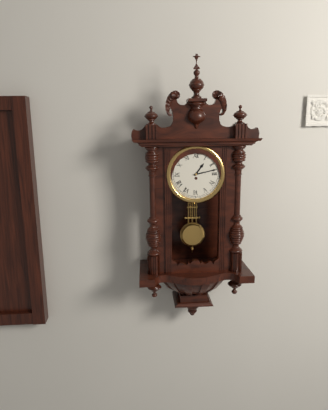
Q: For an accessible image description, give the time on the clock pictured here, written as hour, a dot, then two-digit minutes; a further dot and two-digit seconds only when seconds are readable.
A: 1.13
